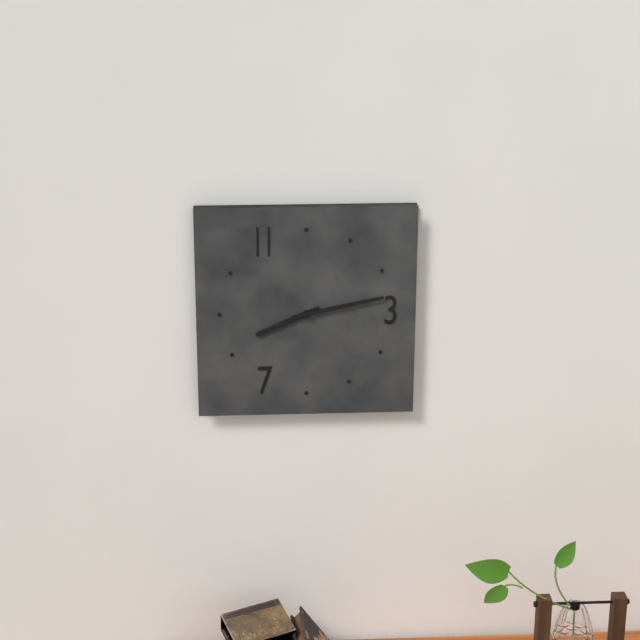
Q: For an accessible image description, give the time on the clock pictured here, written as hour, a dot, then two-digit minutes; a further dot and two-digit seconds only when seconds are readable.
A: 8.13
